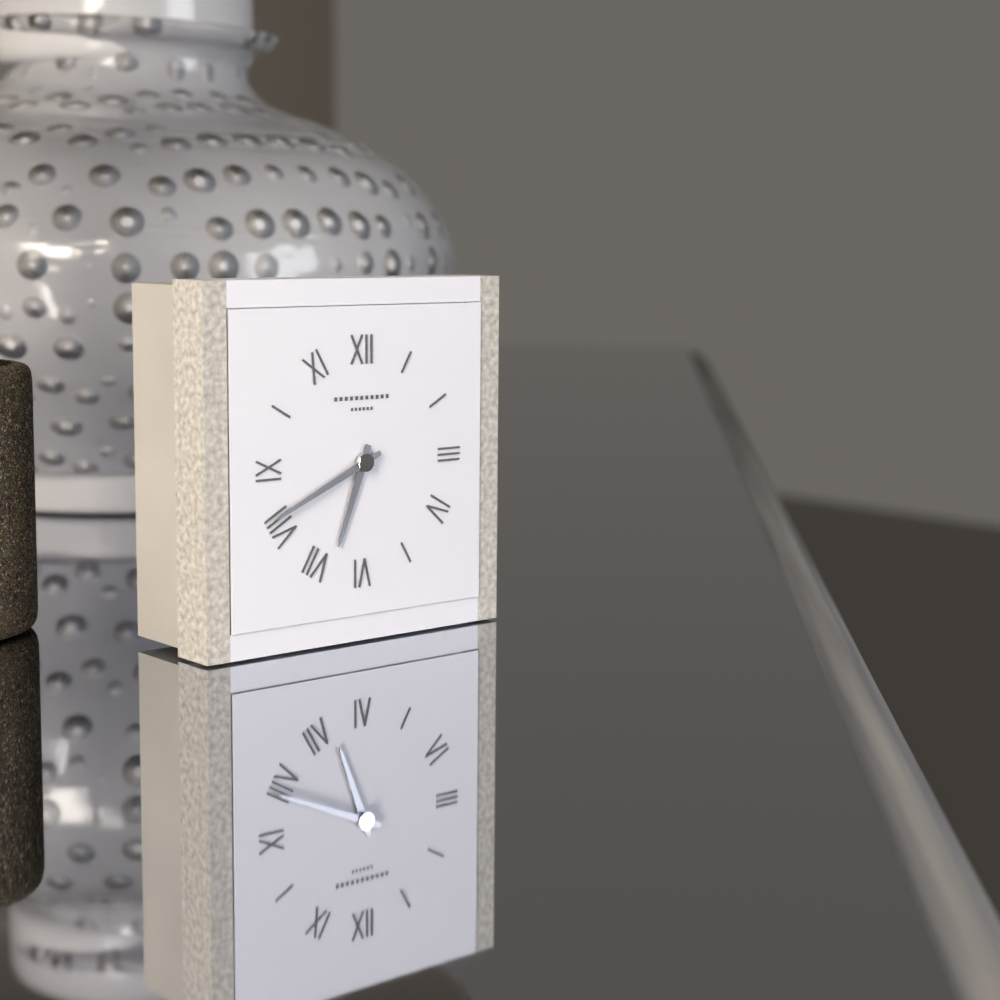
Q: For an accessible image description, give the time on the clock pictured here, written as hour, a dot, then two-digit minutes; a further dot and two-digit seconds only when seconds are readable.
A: 6.41
